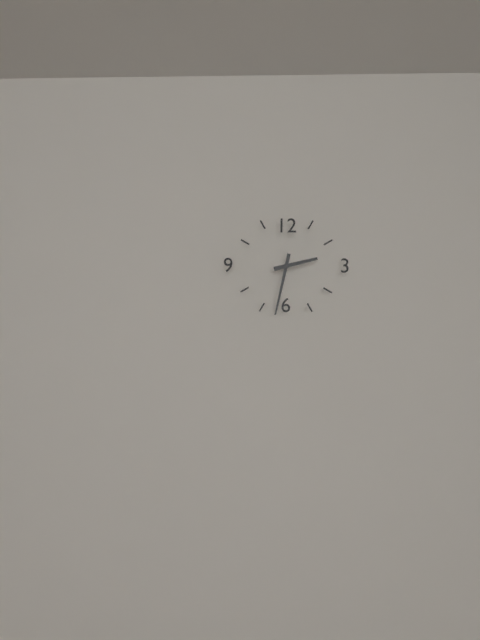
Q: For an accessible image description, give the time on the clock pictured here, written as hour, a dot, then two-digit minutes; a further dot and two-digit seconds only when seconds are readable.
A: 2.32
